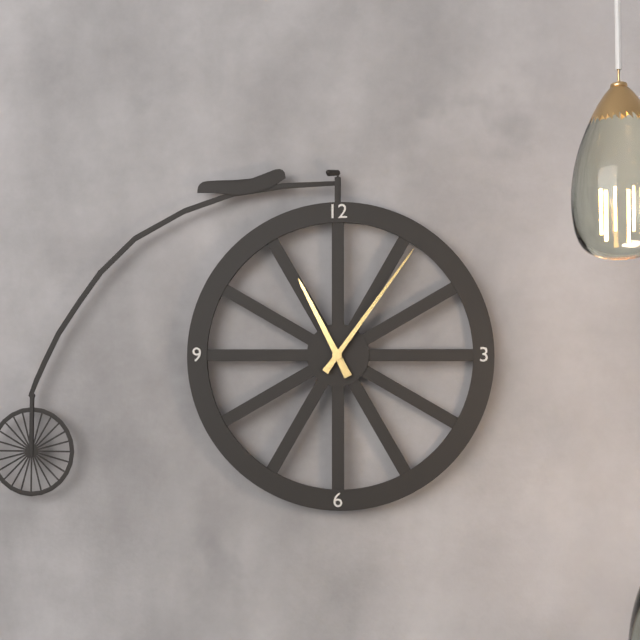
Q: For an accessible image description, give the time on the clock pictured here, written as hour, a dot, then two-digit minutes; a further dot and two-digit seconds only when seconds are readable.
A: 11.06
